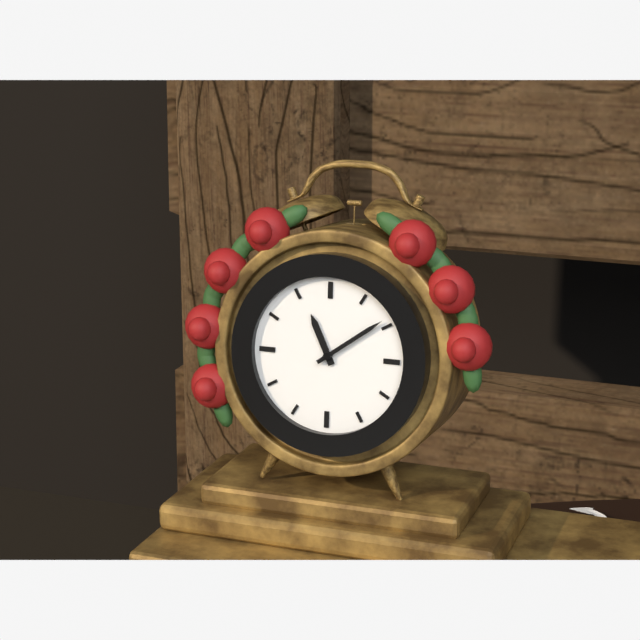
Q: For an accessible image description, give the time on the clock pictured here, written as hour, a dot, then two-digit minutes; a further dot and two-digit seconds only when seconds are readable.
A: 11.09
